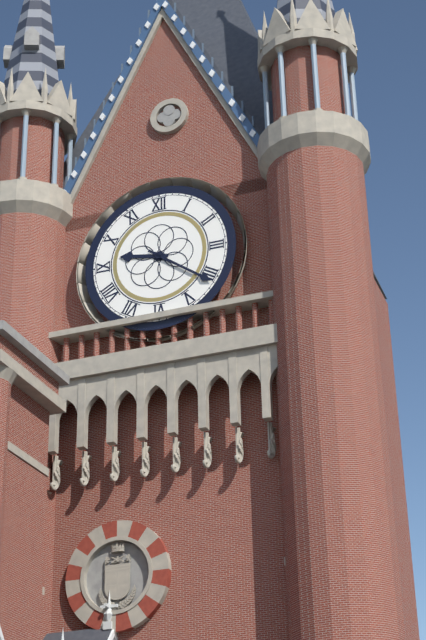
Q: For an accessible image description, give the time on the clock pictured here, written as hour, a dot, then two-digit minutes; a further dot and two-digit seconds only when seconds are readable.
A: 9.21
